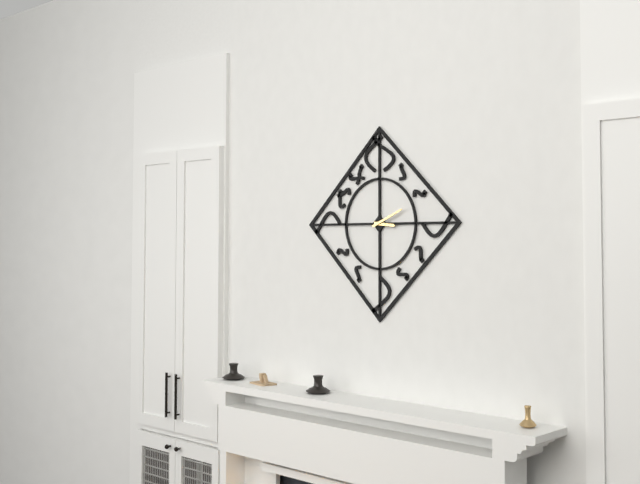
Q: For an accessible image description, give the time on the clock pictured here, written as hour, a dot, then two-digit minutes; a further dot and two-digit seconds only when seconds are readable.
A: 3.11
